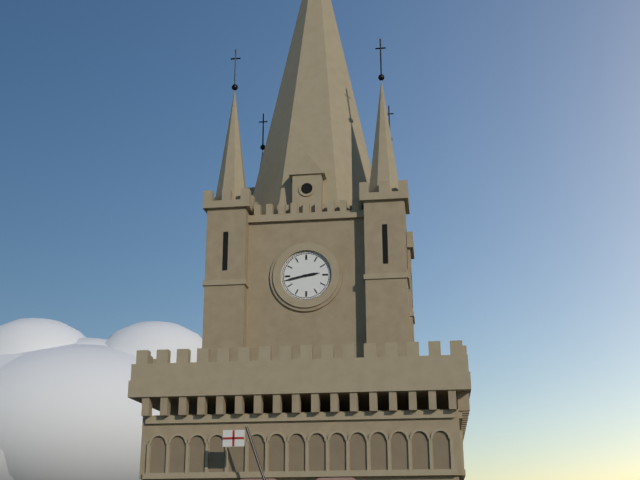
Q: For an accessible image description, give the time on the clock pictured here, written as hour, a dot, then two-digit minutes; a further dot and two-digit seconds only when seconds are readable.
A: 2.43
